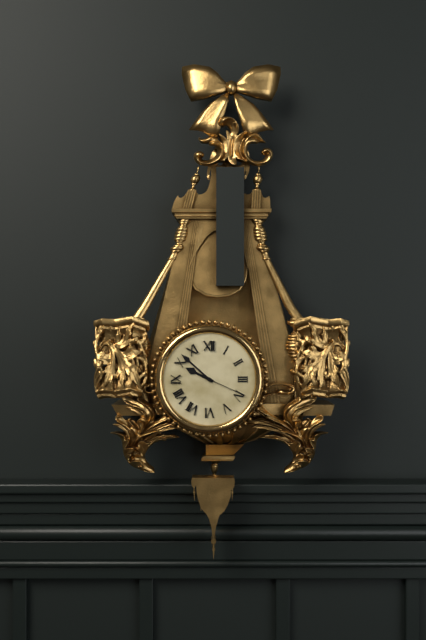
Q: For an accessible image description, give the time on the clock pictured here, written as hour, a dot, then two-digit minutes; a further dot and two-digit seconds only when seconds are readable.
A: 9.52.19
